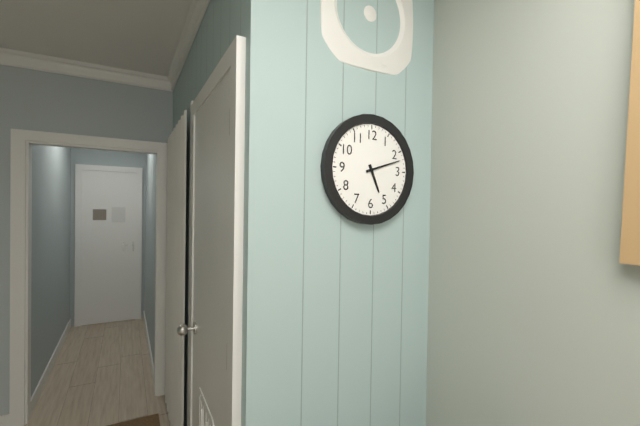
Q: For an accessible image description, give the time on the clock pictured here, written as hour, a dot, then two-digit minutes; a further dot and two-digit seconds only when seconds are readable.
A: 5.12
